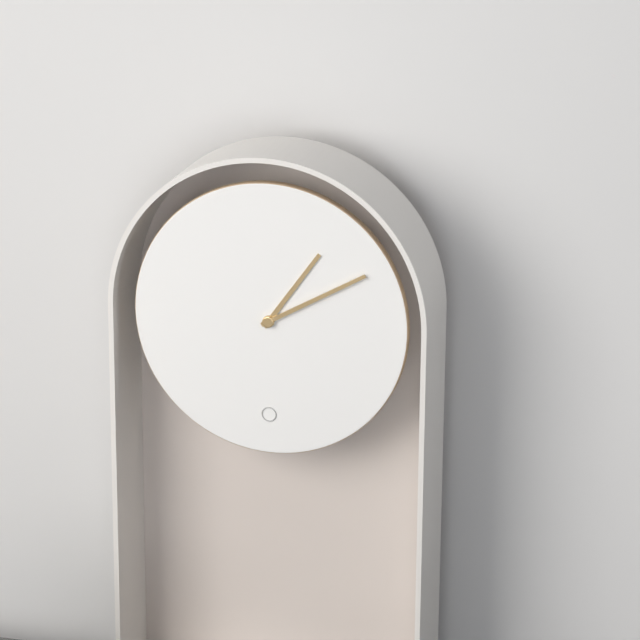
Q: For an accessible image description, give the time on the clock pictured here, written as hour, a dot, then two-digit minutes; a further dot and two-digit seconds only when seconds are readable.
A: 1.10
